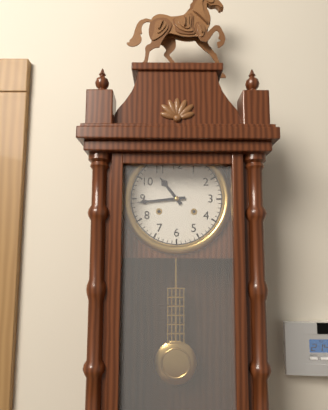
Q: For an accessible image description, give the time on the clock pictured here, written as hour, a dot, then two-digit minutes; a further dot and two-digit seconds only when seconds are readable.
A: 10.44
